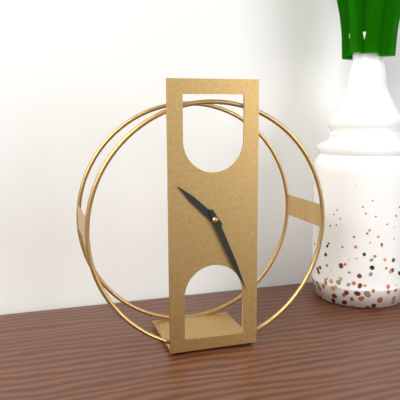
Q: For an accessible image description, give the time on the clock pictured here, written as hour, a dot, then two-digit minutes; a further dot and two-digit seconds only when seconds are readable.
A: 10.26
